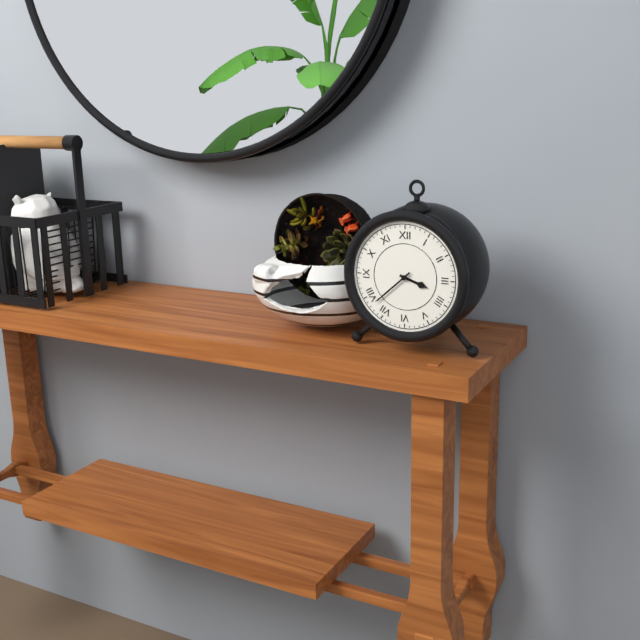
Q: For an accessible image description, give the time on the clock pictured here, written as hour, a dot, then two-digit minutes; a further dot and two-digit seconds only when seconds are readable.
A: 3.38
